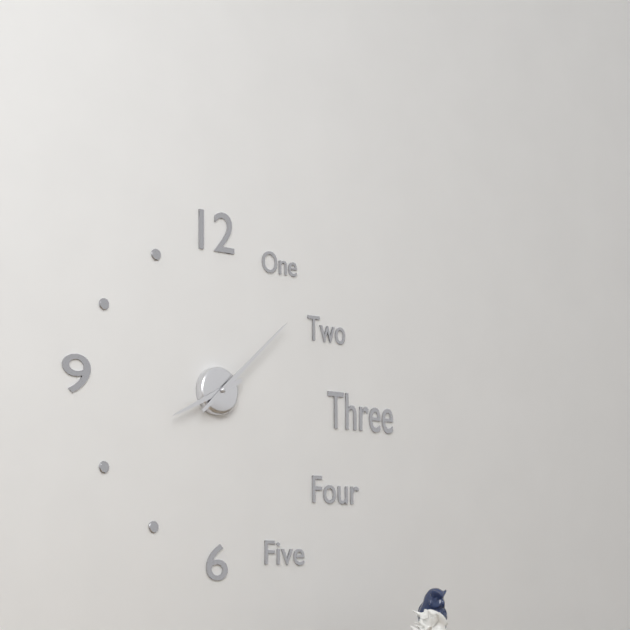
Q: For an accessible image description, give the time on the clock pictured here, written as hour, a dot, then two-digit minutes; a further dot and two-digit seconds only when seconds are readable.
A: 8.08
